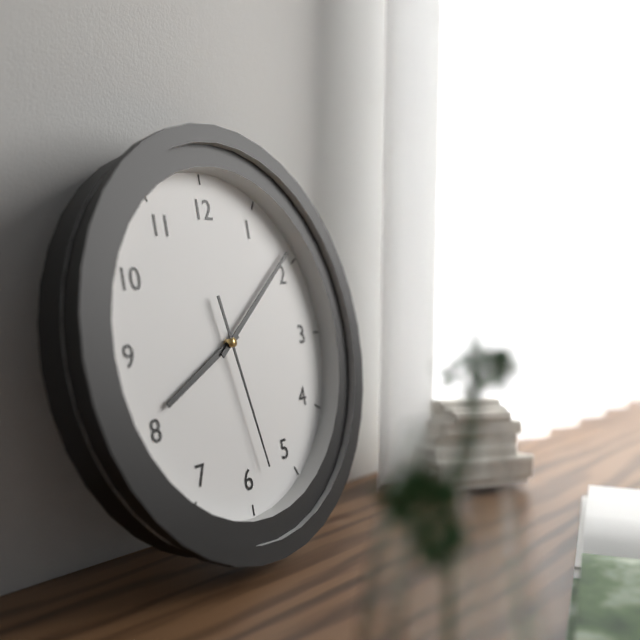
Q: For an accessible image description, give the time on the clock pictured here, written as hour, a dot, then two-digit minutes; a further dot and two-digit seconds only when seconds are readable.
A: 8.09.28
